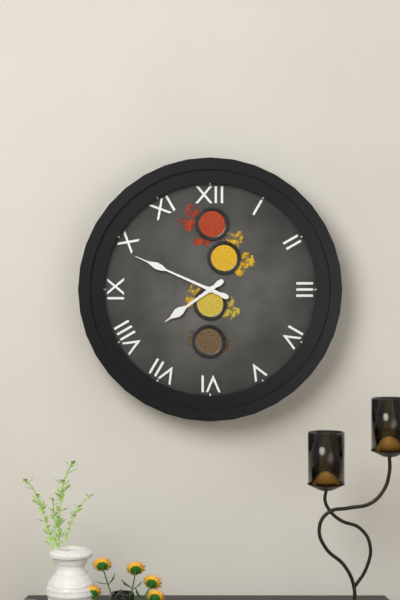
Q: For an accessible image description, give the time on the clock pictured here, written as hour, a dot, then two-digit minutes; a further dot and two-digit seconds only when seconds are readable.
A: 7.49
